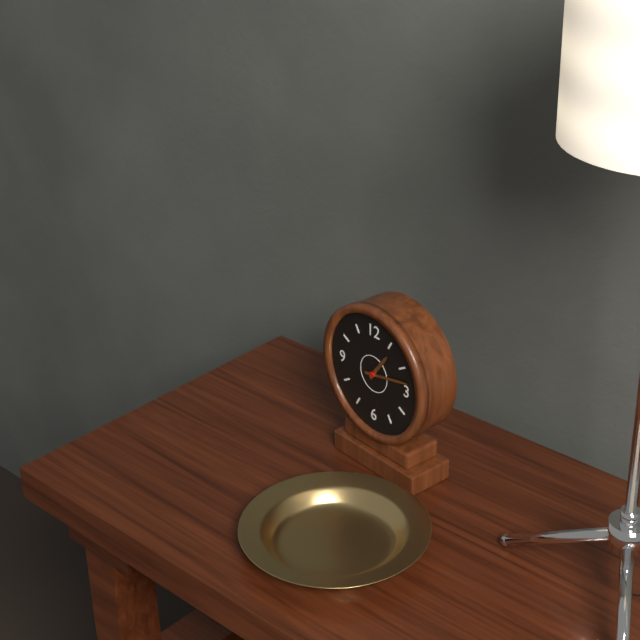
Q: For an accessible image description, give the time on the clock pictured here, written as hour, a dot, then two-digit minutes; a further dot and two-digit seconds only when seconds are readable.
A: 1.13
